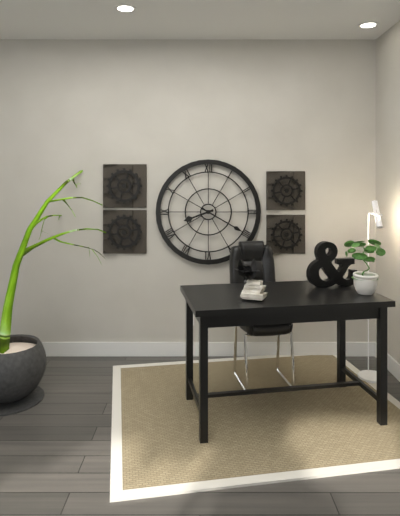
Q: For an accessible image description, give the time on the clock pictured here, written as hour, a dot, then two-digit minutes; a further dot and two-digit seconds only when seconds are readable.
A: 8.20
